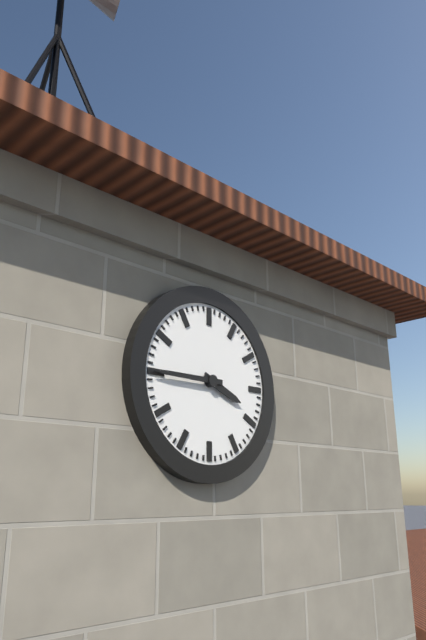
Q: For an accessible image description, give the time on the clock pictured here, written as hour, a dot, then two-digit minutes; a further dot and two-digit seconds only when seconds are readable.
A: 3.45
